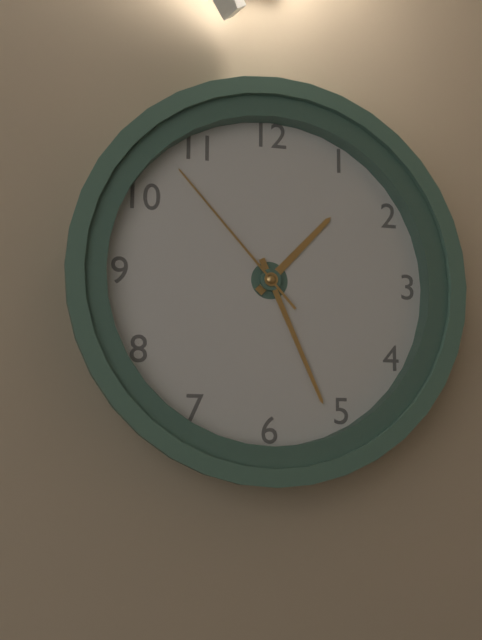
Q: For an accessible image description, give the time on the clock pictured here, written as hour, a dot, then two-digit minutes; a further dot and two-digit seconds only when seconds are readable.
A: 1.26.53
